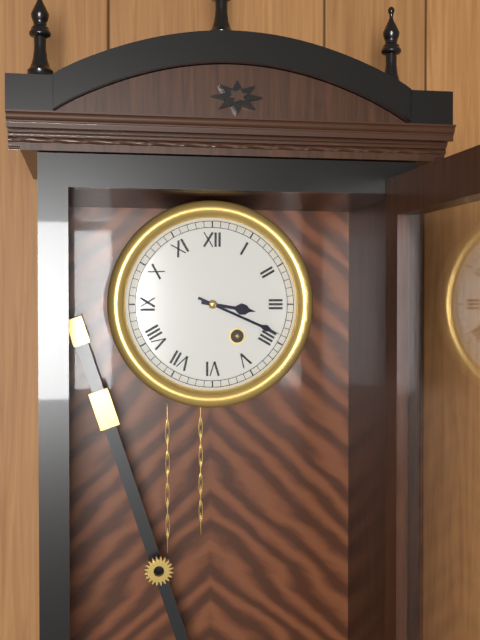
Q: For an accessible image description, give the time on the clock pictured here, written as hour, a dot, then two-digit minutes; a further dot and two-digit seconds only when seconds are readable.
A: 3.19
